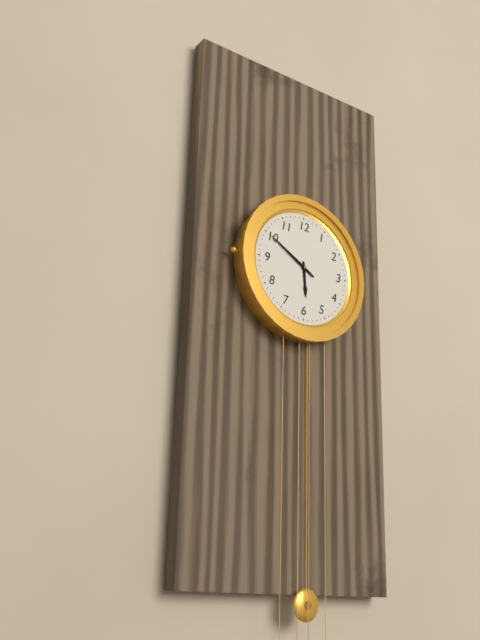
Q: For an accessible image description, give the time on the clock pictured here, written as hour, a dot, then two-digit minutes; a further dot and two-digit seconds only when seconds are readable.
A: 5.50
